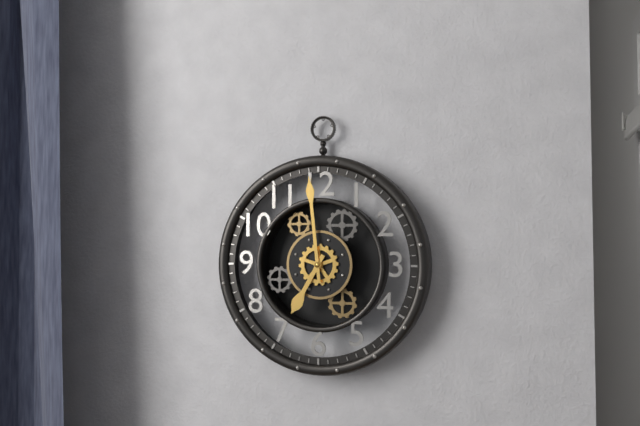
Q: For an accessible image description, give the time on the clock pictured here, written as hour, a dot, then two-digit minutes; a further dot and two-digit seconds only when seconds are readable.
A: 6.59
